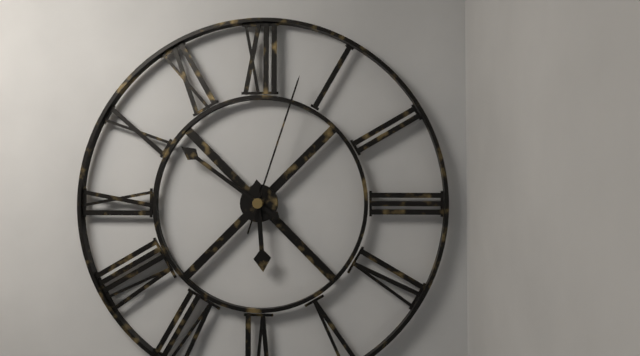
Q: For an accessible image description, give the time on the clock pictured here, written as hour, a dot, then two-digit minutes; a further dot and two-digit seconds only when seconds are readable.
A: 5.51.03
